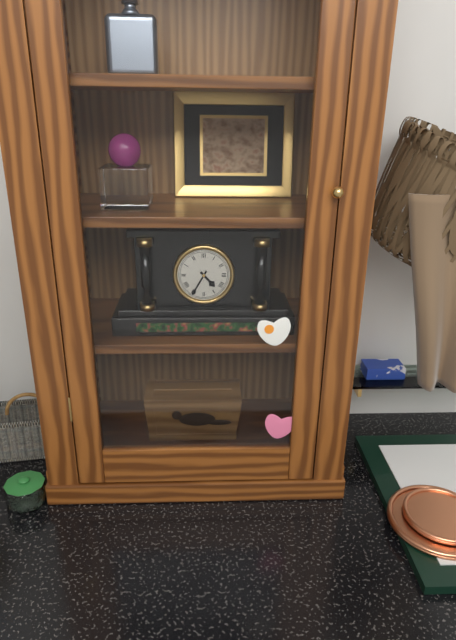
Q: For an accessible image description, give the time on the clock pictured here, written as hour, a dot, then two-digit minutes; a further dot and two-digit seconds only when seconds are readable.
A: 4.35
